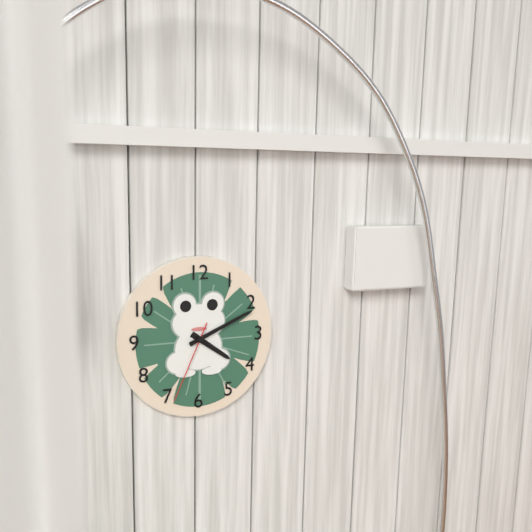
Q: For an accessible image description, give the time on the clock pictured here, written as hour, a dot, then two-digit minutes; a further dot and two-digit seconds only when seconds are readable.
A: 4.11.34
